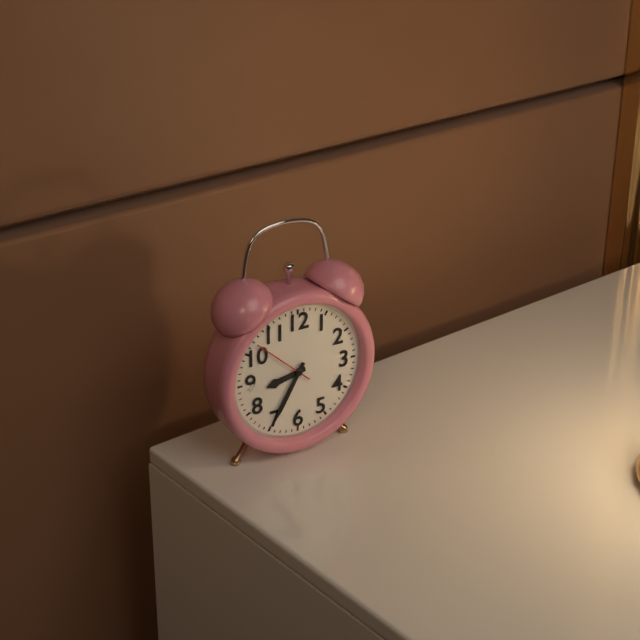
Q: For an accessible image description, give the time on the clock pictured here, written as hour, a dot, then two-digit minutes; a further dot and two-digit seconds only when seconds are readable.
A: 8.35.52
